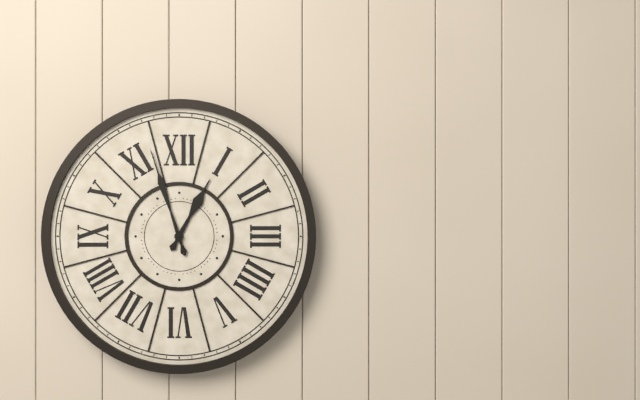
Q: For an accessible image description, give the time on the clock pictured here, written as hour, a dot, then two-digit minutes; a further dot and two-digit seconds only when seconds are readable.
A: 12.57
